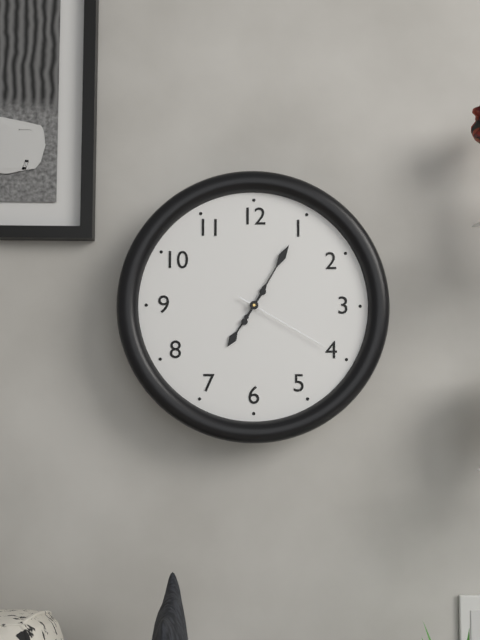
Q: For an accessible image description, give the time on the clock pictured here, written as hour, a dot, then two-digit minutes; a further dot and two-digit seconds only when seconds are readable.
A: 7.05.20
